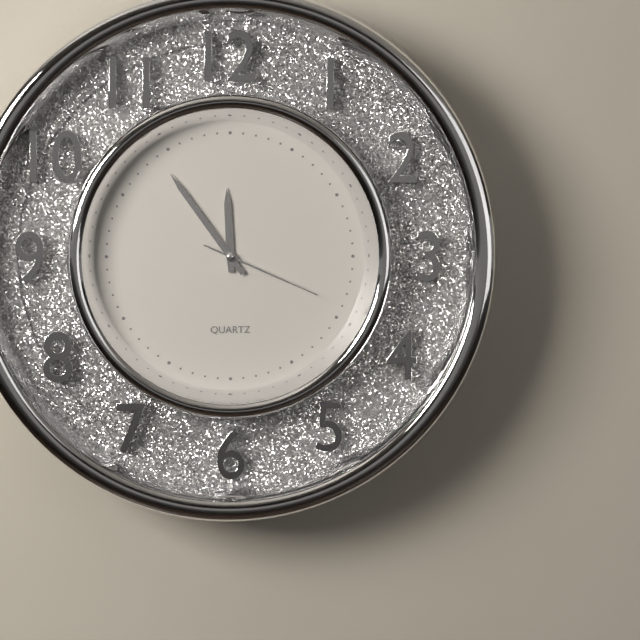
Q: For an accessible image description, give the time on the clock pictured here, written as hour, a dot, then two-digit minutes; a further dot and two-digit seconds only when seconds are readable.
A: 11.54.19
